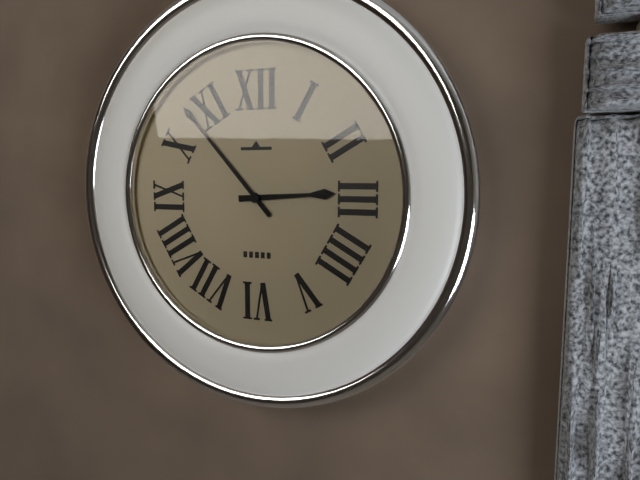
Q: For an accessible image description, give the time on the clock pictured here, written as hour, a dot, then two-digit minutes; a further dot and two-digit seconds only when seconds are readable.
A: 2.53
